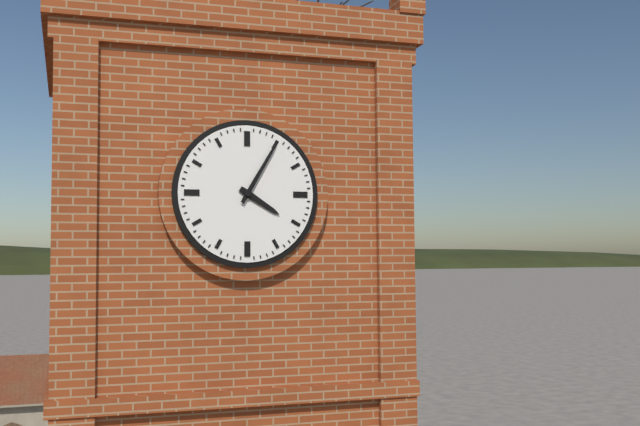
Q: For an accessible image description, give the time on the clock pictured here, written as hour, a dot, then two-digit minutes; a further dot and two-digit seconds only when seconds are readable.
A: 4.05
